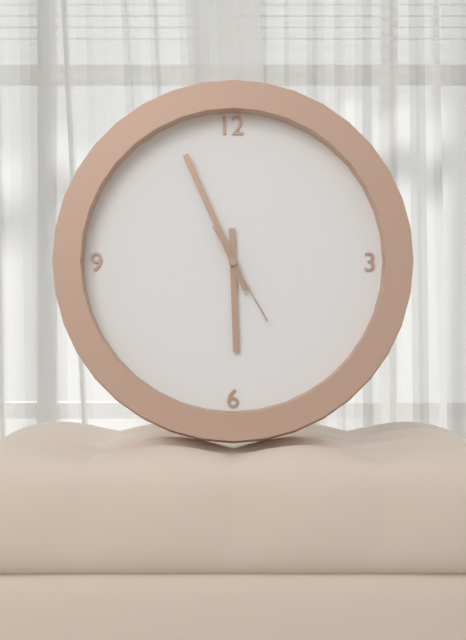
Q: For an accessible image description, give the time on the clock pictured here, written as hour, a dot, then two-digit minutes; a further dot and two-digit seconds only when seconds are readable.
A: 5.56.25
